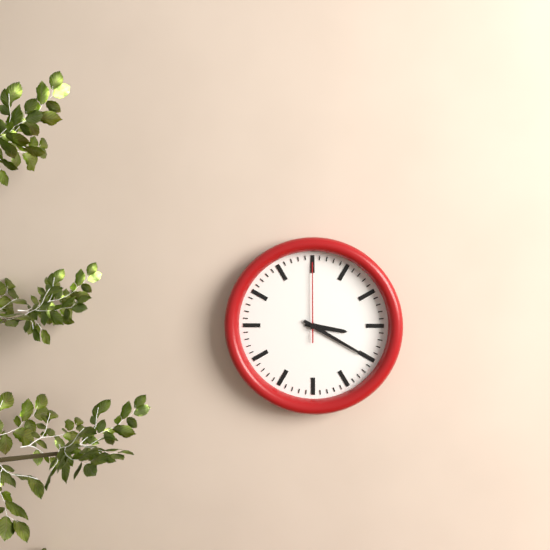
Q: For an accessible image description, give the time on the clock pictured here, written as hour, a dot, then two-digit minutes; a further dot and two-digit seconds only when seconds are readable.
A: 3.20.00
